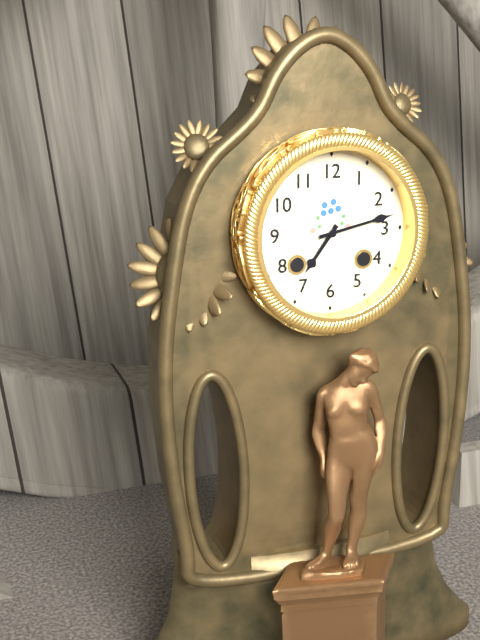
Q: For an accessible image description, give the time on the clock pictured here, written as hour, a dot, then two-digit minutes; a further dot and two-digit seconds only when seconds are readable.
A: 7.13
